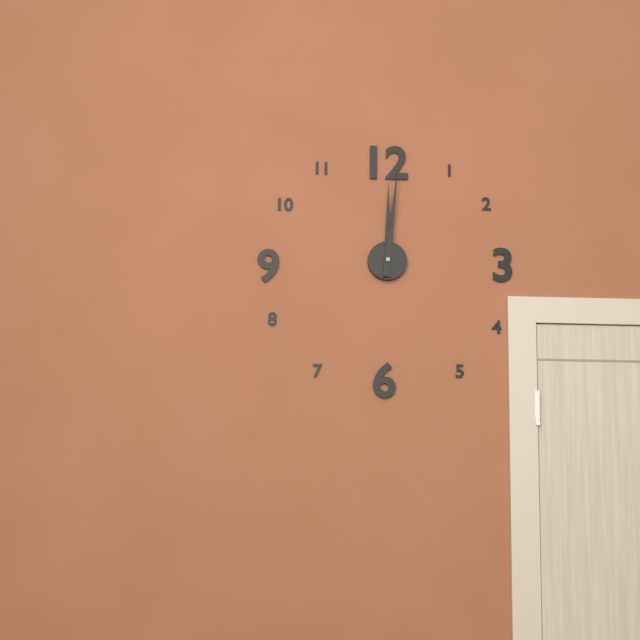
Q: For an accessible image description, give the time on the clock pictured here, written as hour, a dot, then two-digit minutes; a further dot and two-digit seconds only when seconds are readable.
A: 12.01
